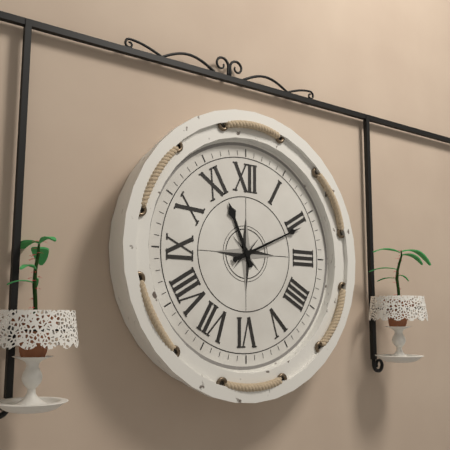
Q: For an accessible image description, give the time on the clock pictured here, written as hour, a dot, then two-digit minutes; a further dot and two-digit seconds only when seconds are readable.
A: 11.11
